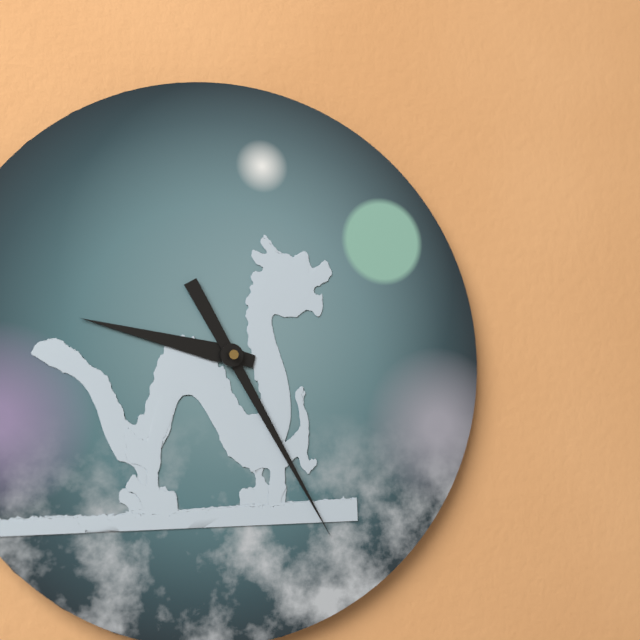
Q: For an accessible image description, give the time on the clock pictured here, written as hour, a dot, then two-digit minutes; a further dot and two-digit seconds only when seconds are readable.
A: 9.25
